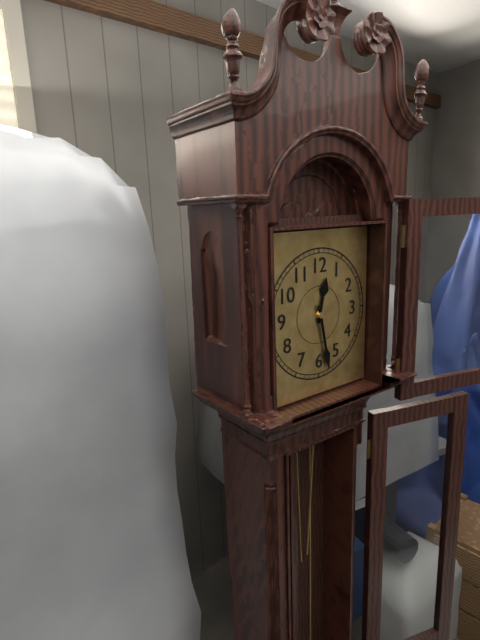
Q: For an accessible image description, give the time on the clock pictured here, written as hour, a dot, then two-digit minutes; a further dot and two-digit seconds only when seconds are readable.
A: 12.28
